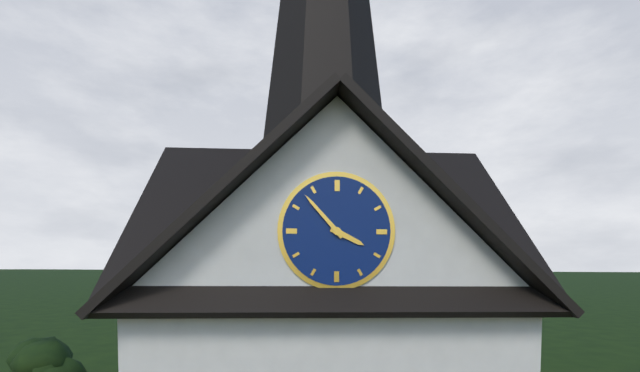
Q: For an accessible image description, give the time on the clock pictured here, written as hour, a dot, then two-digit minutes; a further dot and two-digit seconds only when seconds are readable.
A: 3.53
